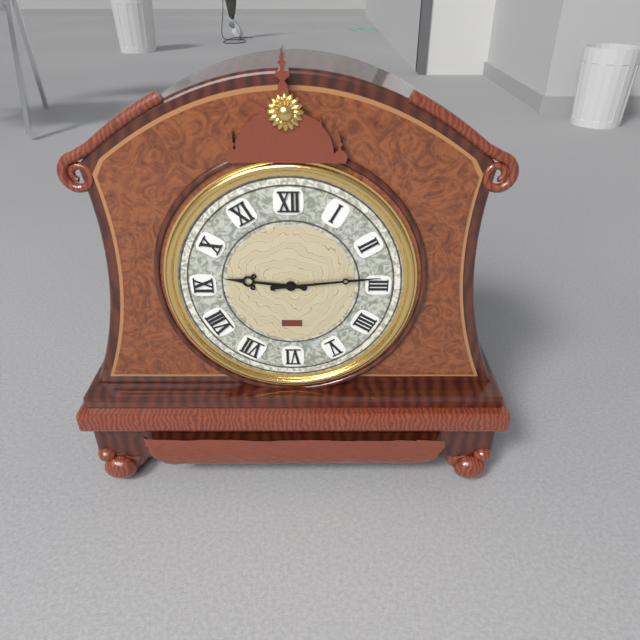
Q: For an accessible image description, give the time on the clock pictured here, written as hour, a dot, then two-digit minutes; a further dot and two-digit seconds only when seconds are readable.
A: 9.14
